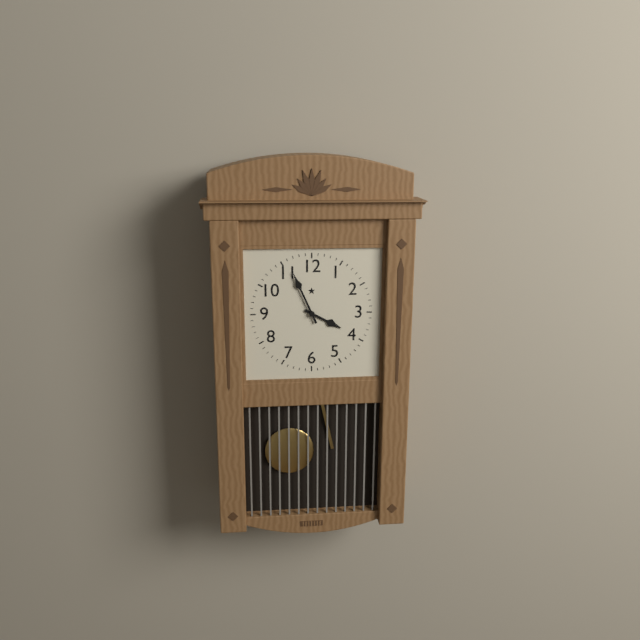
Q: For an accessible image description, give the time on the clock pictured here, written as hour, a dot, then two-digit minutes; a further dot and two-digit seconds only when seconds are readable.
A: 3.56
